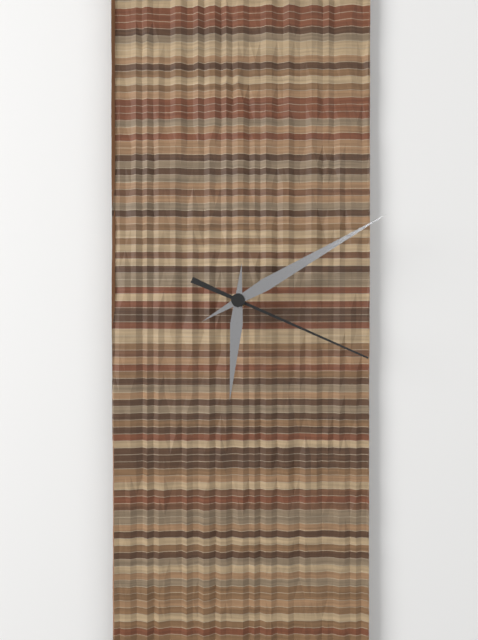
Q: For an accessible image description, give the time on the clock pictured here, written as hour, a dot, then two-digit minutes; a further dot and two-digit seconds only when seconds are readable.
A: 6.10.19
